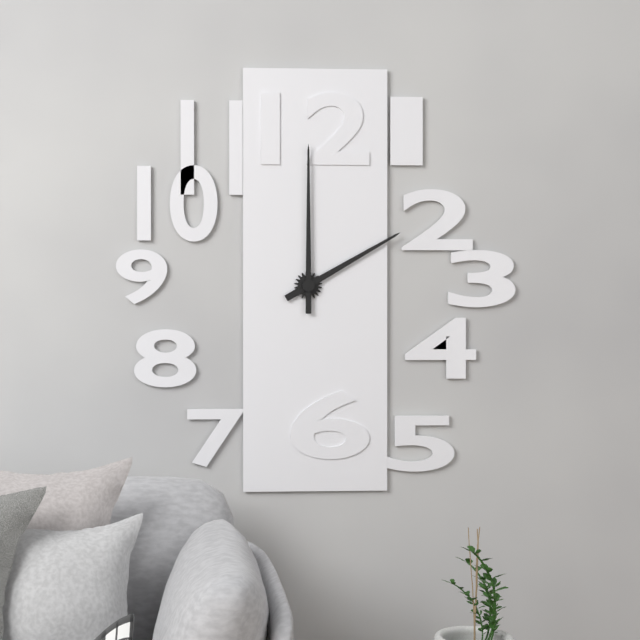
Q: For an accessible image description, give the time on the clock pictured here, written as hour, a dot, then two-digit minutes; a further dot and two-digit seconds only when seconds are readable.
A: 2.00
